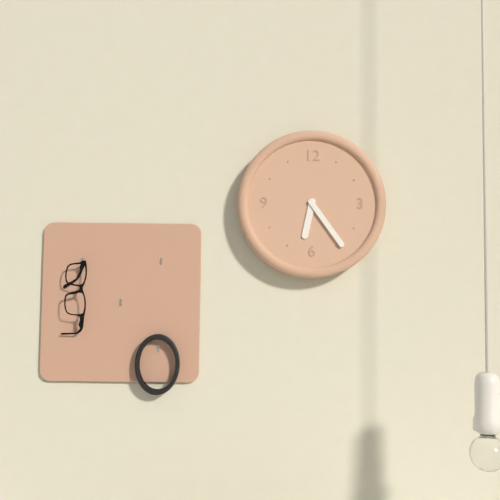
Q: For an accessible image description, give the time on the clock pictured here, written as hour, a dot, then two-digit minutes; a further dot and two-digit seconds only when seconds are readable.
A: 6.24
